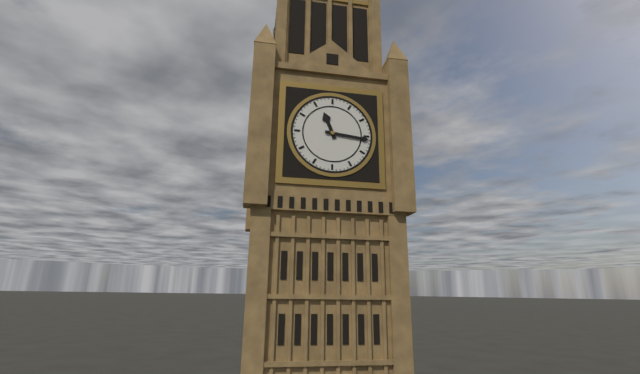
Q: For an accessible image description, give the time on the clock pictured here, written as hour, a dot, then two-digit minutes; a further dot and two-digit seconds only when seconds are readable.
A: 11.16
